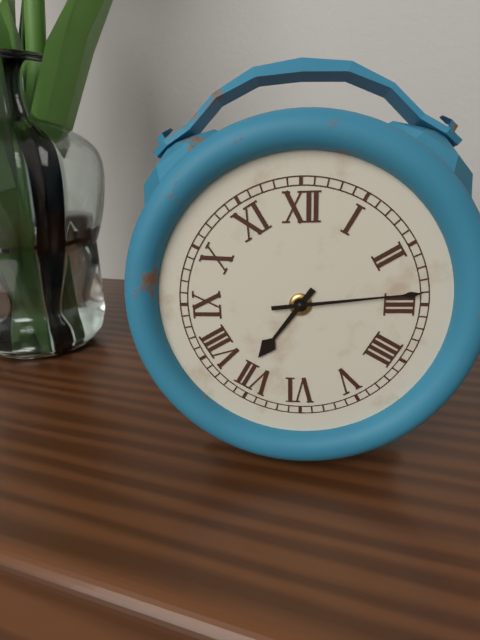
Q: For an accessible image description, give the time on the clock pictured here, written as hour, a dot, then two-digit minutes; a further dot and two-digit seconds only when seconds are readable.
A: 7.14
